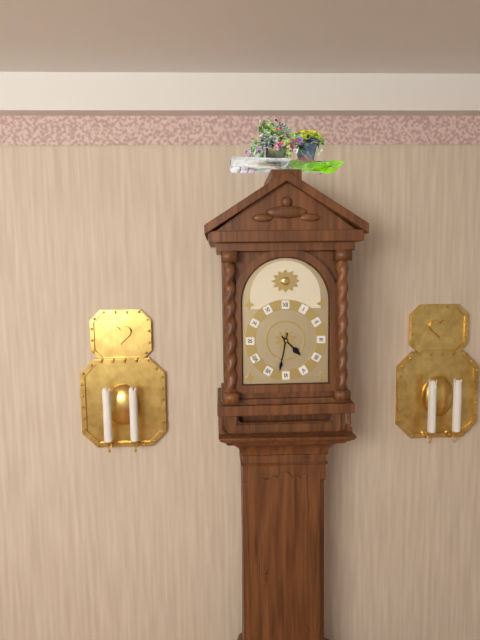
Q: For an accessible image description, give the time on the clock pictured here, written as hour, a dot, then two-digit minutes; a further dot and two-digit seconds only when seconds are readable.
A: 4.32
